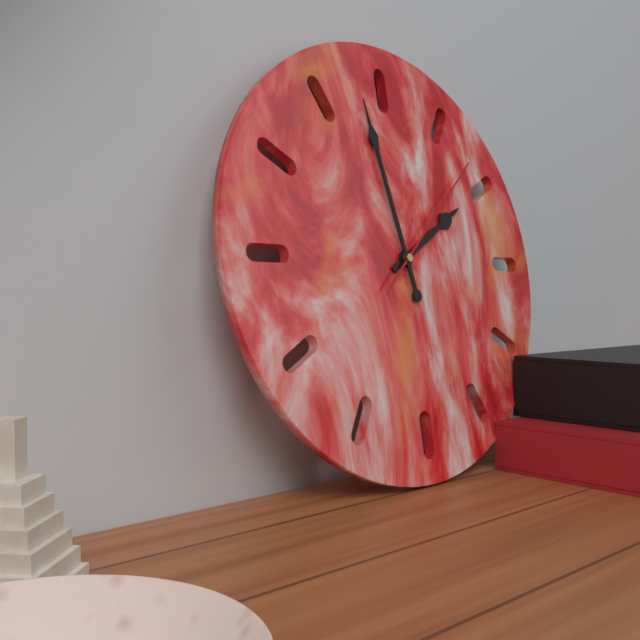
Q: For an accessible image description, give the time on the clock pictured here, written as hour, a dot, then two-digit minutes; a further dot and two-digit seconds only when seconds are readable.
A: 1.58.08
